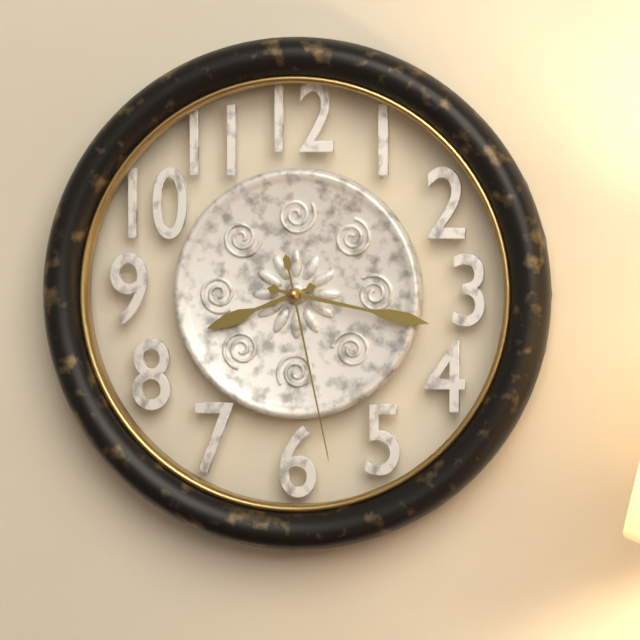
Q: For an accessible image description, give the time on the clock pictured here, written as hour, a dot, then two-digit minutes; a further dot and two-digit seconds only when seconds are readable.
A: 8.17.28
